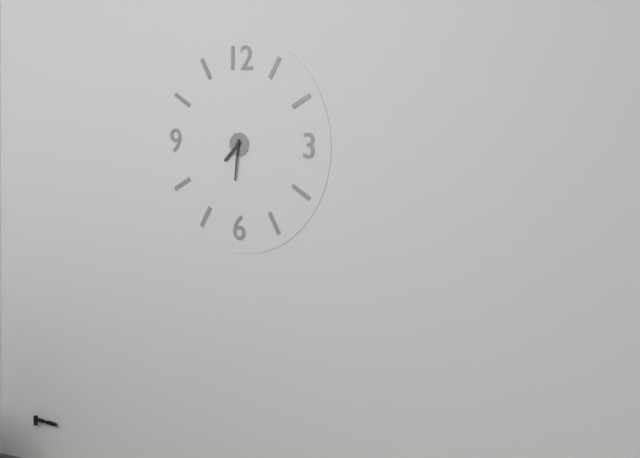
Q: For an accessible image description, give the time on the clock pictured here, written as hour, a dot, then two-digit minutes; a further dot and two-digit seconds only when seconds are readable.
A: 7.31
